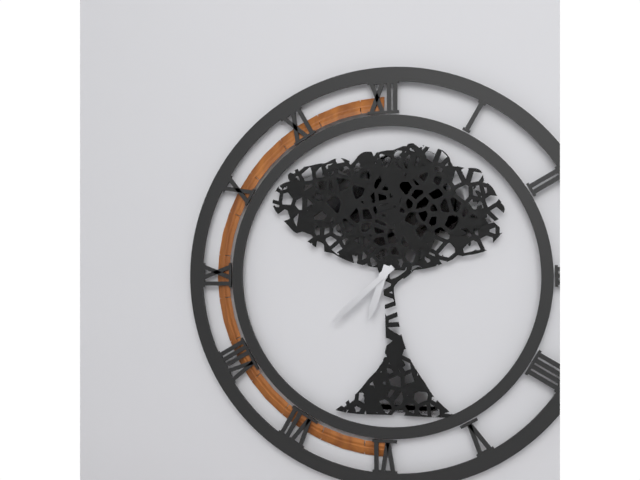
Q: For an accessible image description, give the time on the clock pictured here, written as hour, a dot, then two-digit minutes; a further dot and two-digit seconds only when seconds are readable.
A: 6.38
